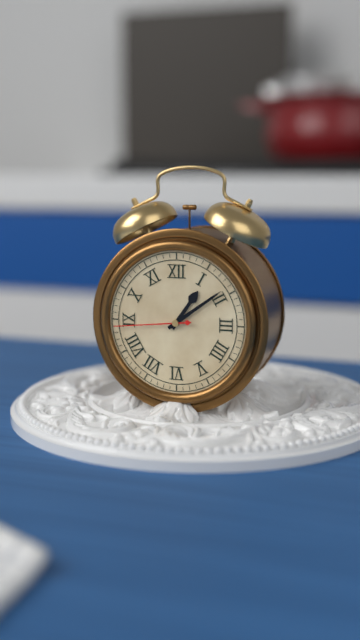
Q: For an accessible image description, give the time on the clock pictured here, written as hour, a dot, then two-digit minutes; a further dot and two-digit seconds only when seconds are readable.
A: 1.09.44
